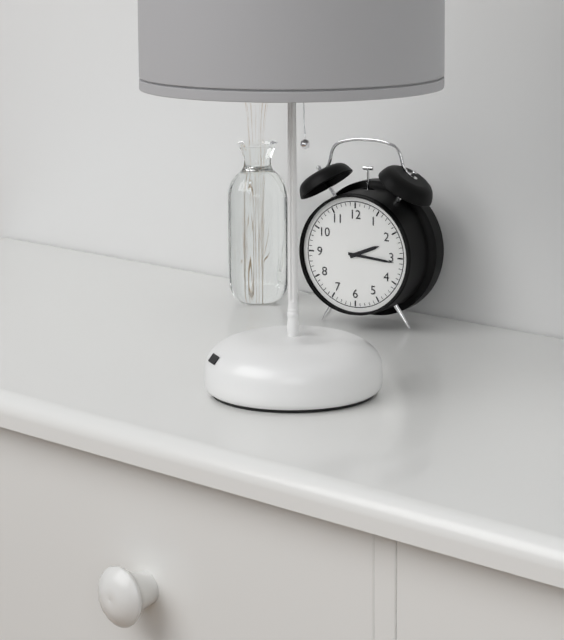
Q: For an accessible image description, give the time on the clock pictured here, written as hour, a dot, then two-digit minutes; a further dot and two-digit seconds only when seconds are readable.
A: 2.16
